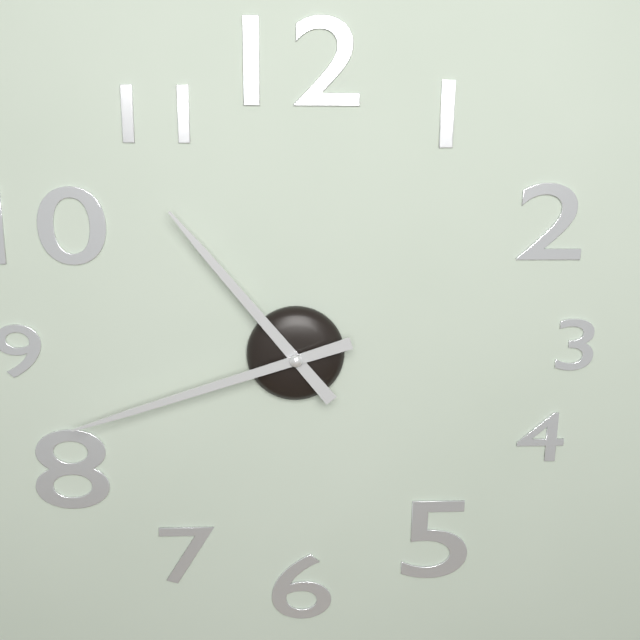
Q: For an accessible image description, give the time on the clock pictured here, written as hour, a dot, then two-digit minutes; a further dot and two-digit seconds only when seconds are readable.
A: 10.42
